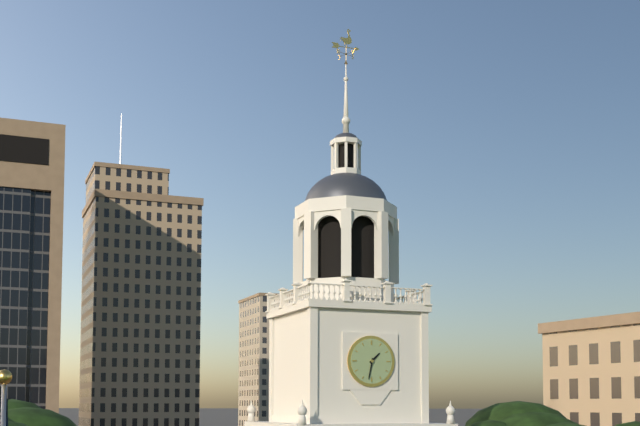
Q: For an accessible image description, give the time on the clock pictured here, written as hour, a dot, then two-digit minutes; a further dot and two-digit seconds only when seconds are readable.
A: 1.32
